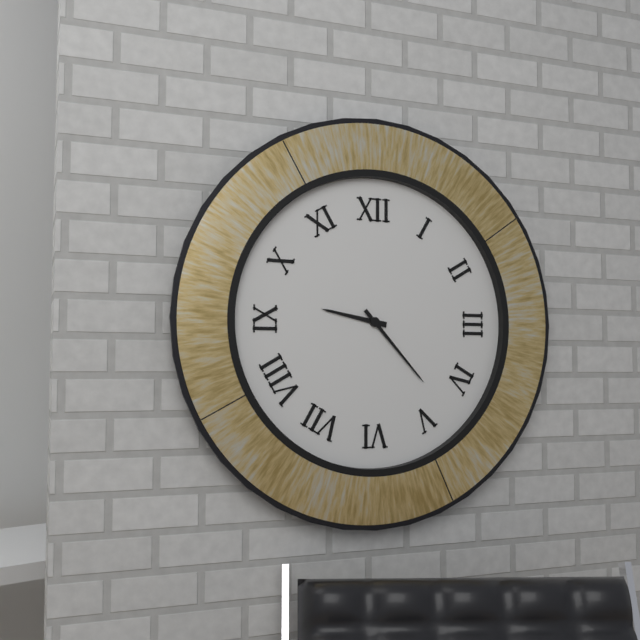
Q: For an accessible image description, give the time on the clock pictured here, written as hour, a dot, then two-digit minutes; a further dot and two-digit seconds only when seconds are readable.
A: 9.23
